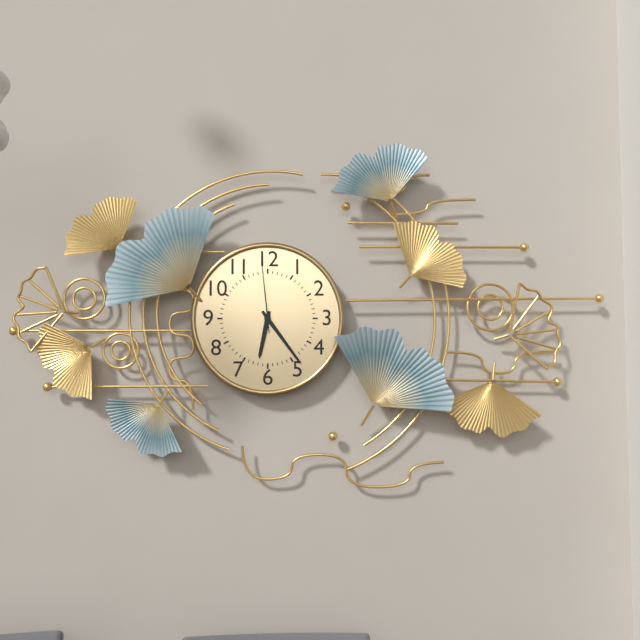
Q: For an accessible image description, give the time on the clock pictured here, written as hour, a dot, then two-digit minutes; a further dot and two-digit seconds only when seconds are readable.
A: 6.24.59
